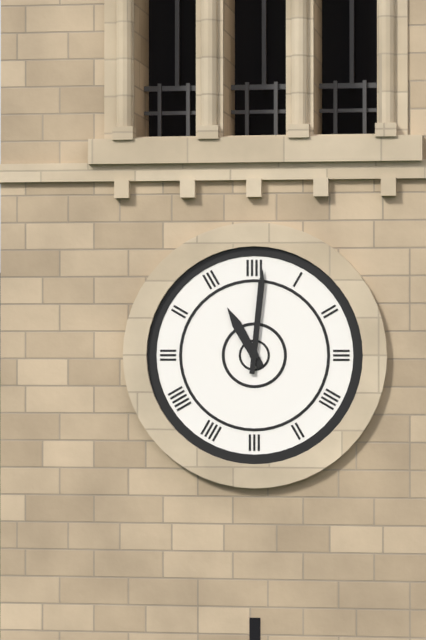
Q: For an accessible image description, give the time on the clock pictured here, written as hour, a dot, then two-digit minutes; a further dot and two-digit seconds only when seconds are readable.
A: 11.01
